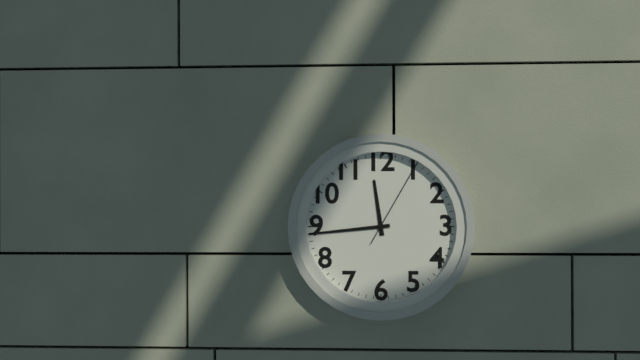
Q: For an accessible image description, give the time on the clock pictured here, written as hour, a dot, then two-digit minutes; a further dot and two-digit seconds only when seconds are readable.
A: 11.44.05
